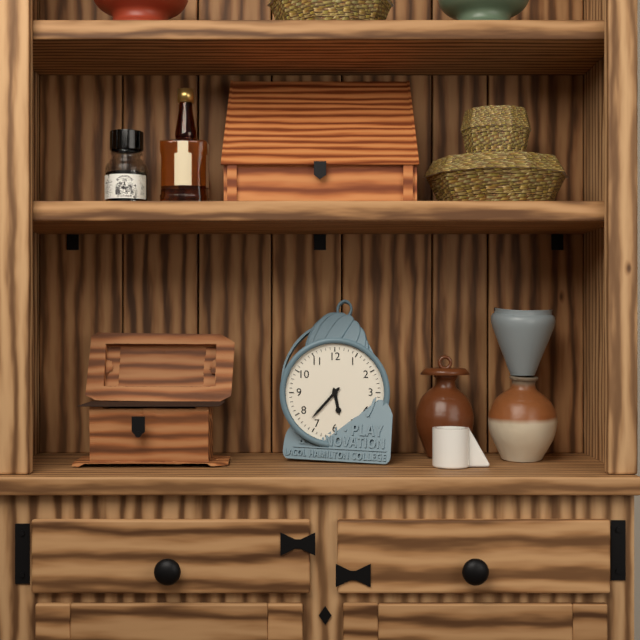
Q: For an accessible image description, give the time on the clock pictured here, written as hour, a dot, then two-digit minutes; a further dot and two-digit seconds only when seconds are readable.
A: 5.37
